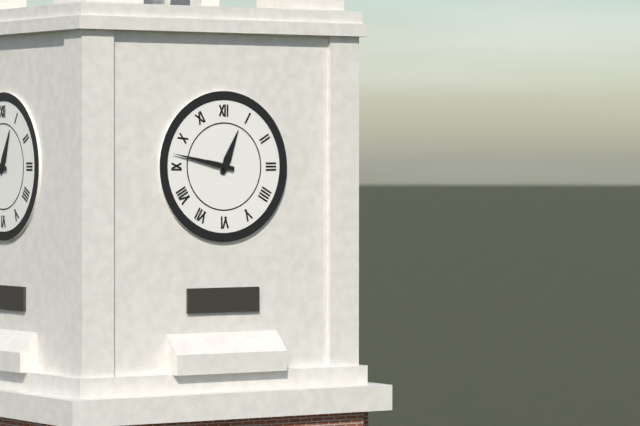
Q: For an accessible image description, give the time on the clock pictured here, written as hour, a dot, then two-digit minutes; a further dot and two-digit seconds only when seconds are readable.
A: 12.47
